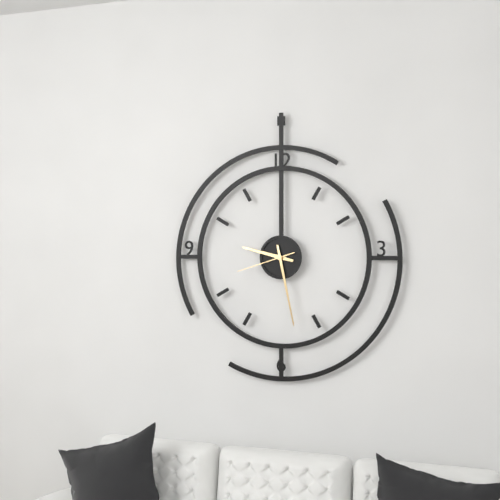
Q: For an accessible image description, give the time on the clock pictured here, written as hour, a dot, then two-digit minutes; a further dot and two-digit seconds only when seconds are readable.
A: 9.28.42
